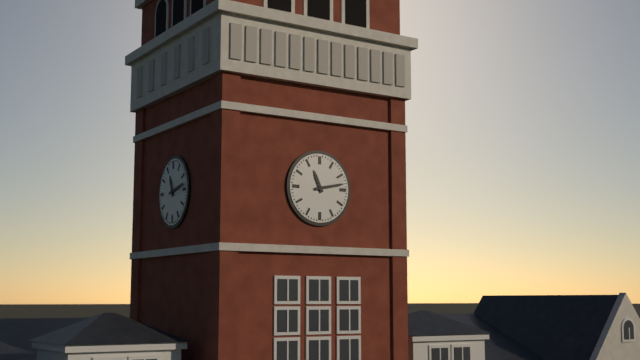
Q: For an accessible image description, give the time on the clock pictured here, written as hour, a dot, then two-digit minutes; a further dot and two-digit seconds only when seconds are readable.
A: 11.13
